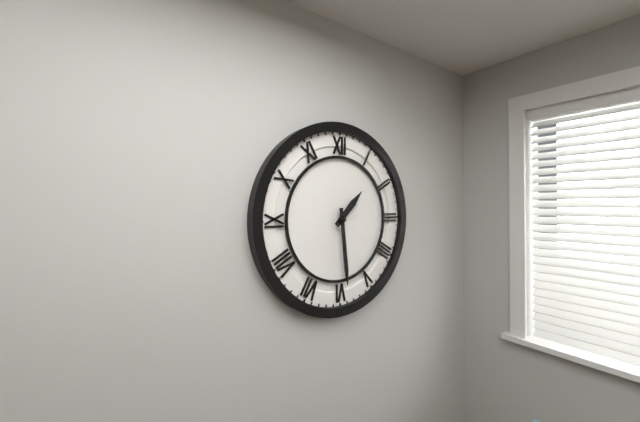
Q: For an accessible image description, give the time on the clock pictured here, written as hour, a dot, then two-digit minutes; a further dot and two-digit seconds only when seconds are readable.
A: 1.29
